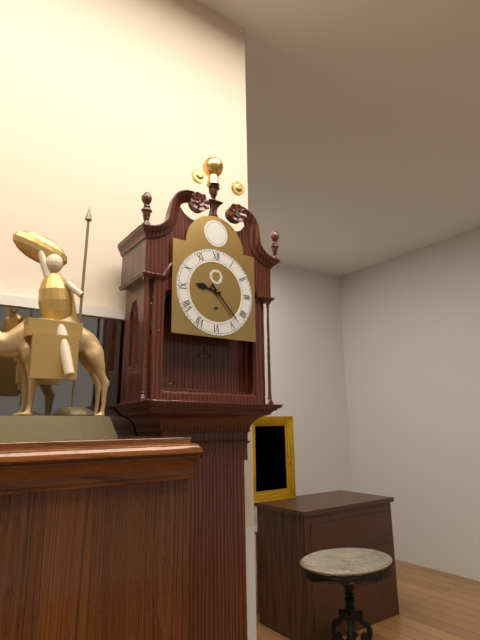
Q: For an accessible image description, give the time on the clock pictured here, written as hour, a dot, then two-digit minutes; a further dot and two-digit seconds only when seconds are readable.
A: 9.23
